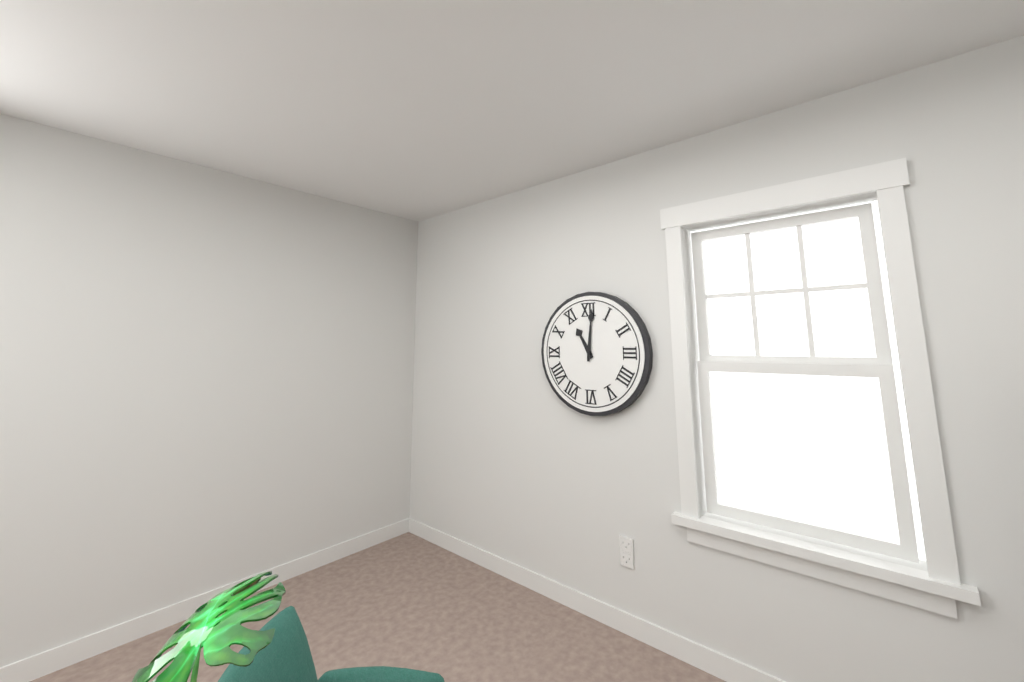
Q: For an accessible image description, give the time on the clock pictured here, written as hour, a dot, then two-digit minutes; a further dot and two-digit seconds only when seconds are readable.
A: 11.01
